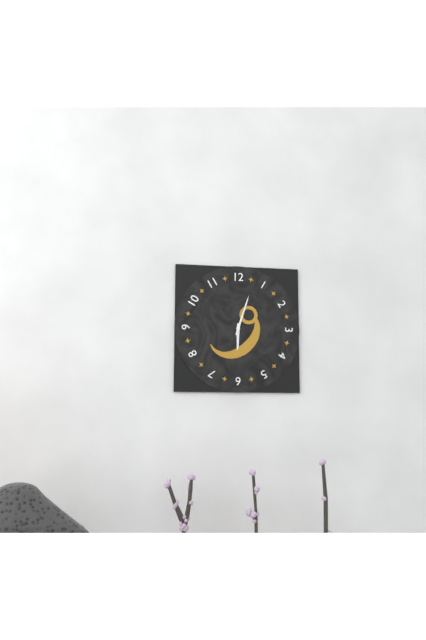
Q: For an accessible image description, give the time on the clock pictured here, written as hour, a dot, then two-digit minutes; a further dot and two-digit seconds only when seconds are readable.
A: 6.03
